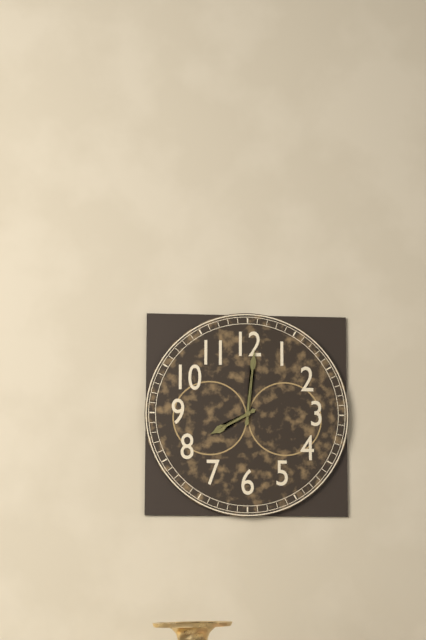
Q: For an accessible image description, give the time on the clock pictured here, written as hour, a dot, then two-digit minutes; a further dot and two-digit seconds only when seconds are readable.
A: 8.01
